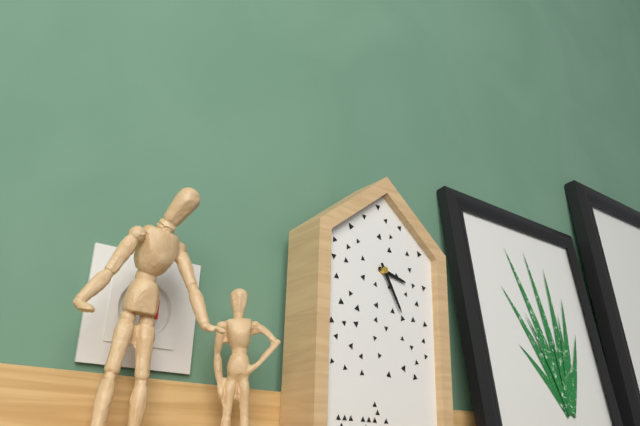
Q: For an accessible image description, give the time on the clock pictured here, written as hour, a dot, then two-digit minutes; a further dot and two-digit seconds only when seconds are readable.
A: 3.25
